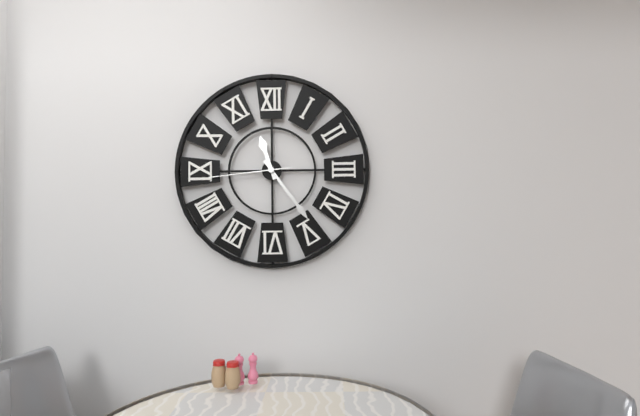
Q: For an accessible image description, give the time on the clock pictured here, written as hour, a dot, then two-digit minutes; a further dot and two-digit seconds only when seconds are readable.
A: 11.24.44
